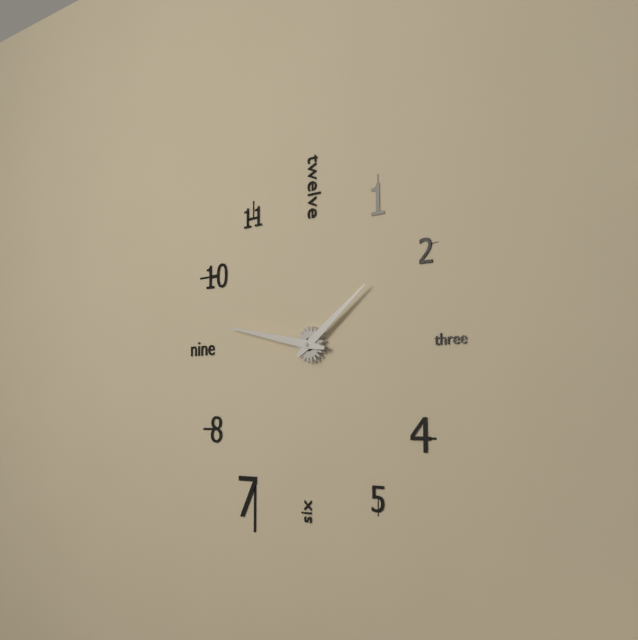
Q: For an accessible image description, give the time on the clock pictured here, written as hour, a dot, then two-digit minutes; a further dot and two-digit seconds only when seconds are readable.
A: 1.47
